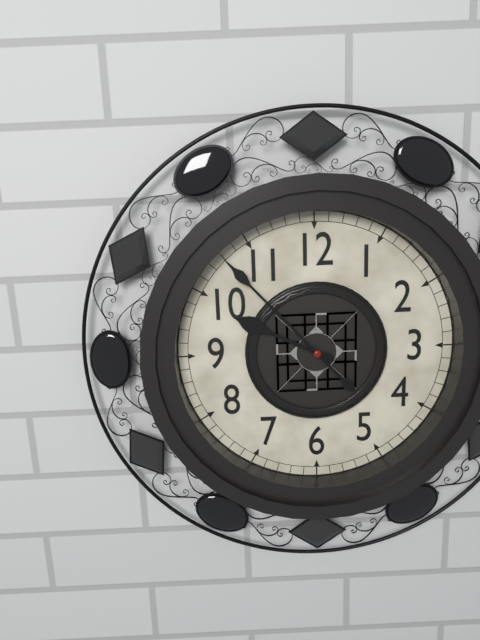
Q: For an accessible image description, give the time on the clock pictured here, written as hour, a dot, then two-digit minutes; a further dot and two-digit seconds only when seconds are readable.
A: 9.53
